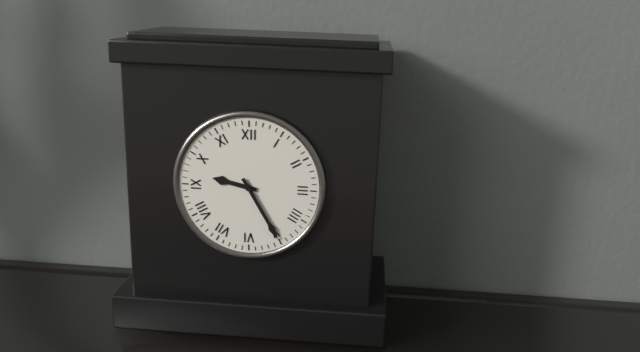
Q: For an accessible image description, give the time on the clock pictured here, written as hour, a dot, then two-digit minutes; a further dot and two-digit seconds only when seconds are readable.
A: 9.25
